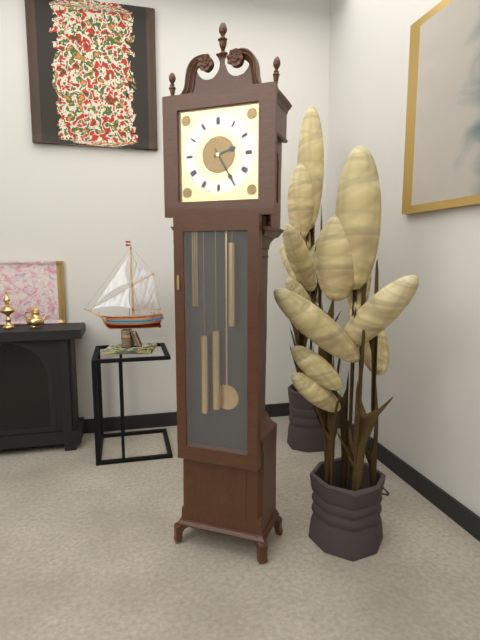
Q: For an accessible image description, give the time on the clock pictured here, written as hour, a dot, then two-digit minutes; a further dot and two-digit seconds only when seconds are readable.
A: 2.25
